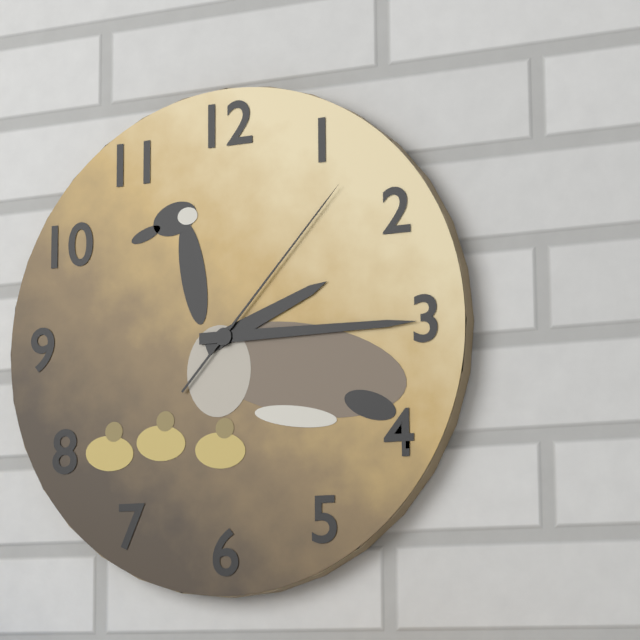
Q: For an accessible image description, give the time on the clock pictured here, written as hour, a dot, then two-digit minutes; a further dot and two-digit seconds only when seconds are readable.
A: 2.15.07
